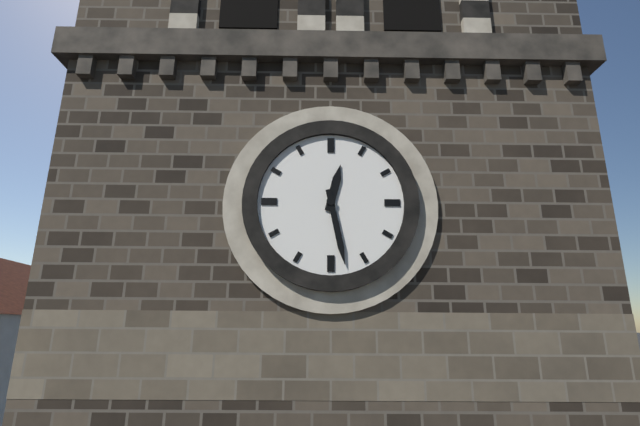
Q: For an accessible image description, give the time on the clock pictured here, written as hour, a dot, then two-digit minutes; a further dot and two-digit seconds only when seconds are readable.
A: 12.28
